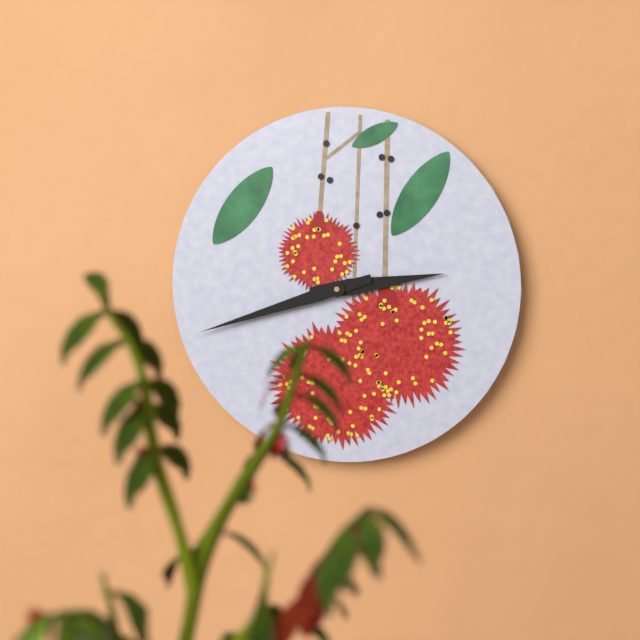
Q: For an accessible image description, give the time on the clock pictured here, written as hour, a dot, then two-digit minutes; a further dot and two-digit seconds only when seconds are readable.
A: 2.42
